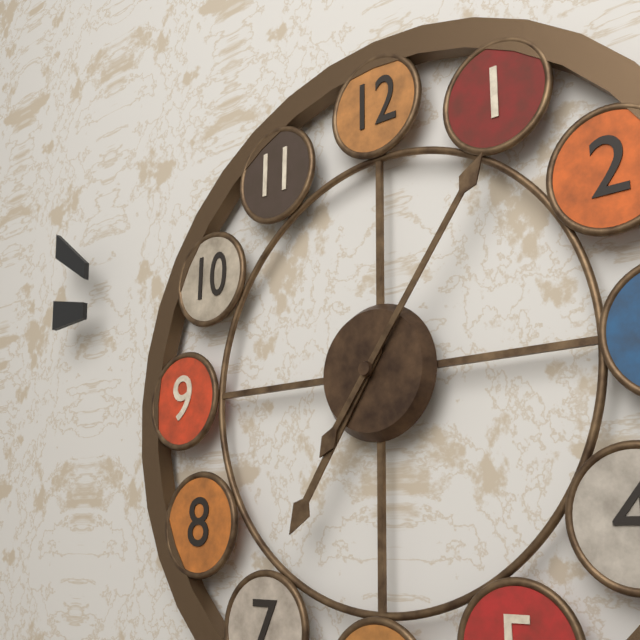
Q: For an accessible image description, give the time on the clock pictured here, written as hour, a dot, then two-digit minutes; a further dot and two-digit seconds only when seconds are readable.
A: 7.06
